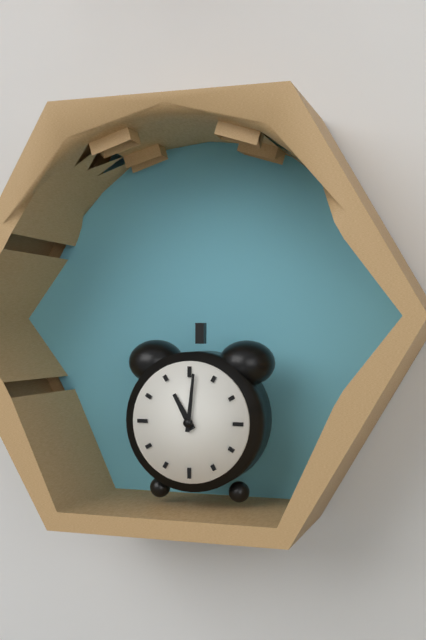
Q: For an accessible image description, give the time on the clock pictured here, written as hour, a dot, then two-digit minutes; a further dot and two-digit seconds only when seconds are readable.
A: 11.01
